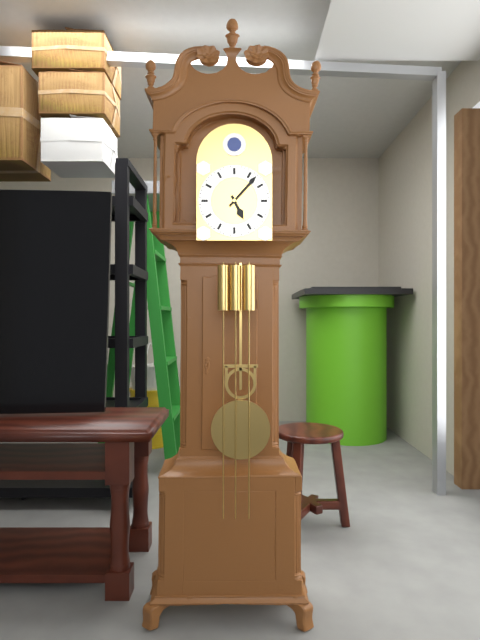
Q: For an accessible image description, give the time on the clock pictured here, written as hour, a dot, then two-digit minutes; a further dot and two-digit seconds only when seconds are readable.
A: 5.07
